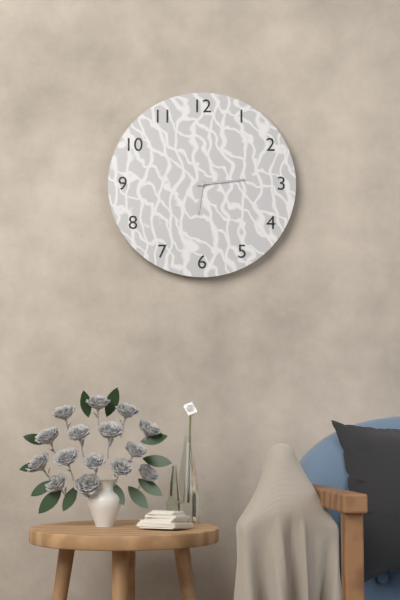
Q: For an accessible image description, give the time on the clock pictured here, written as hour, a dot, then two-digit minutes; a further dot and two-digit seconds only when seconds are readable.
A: 6.14
